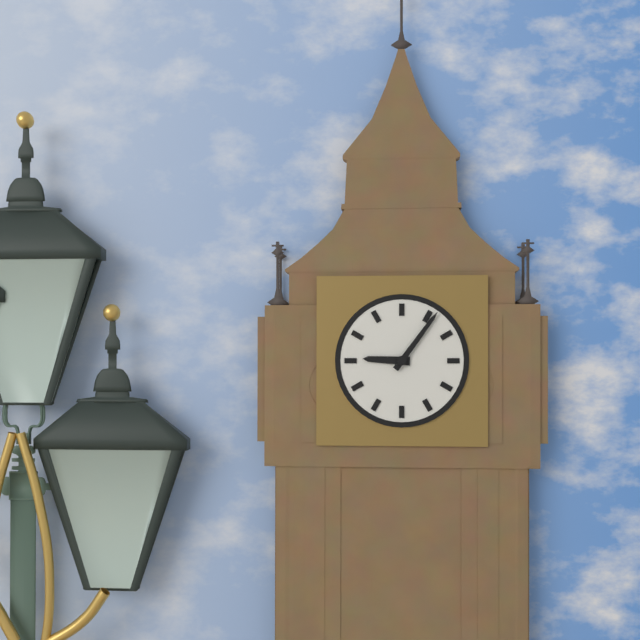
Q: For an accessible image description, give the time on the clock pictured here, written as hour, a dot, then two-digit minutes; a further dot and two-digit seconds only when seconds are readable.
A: 9.06
